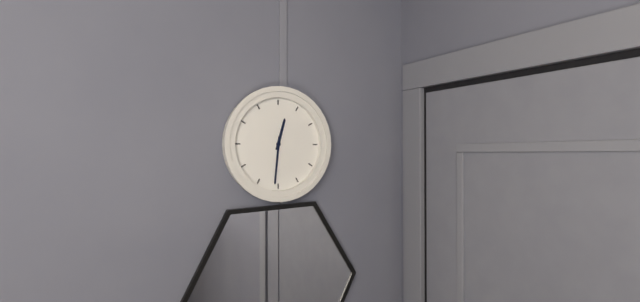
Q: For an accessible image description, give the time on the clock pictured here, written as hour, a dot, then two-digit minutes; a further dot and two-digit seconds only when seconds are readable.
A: 12.31
